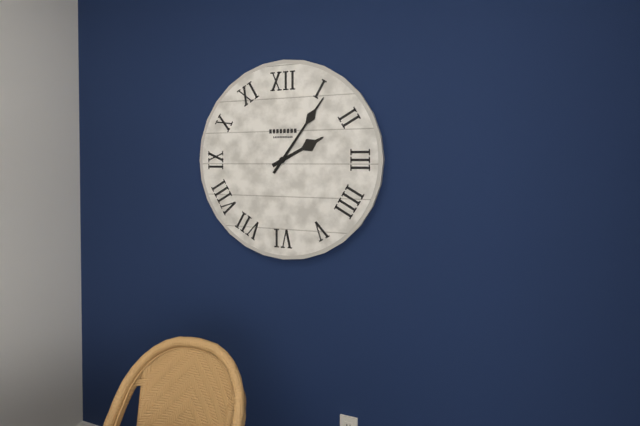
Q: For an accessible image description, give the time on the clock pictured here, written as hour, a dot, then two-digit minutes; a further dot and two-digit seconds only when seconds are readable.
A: 2.06
